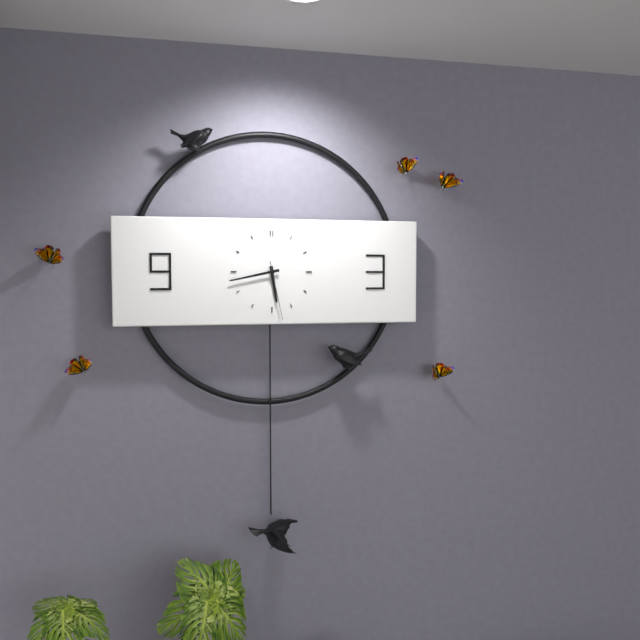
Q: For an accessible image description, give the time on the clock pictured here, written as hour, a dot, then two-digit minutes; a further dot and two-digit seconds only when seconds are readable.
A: 5.43.28
